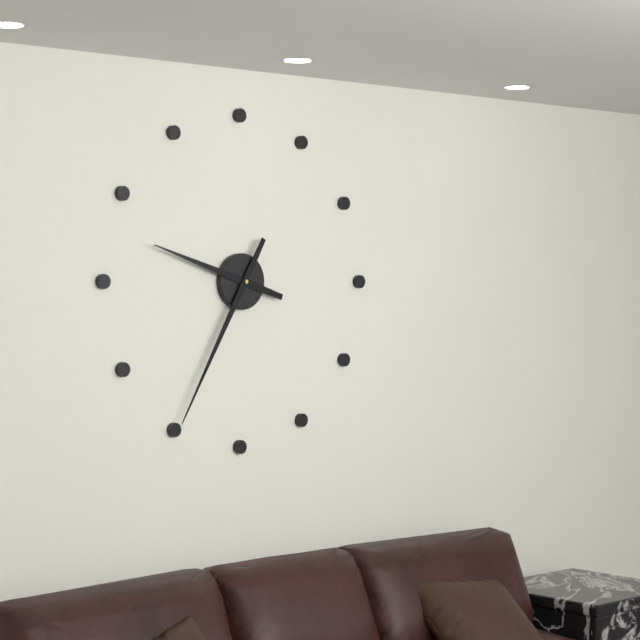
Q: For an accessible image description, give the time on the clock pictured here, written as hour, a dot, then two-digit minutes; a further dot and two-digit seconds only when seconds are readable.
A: 9.35
